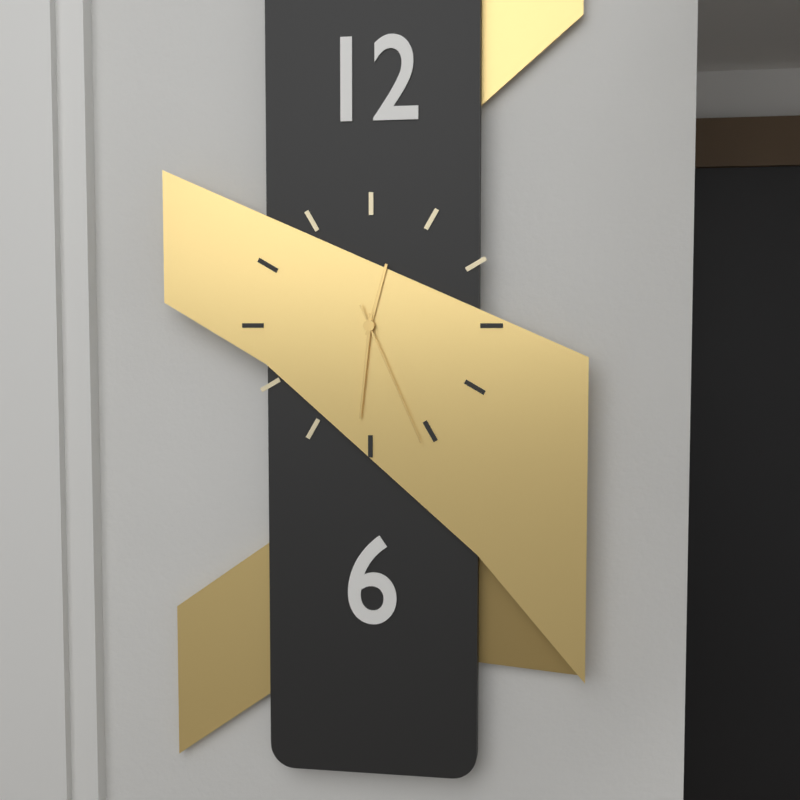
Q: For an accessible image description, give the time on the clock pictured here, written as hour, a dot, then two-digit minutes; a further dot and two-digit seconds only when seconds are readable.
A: 12.31.26
